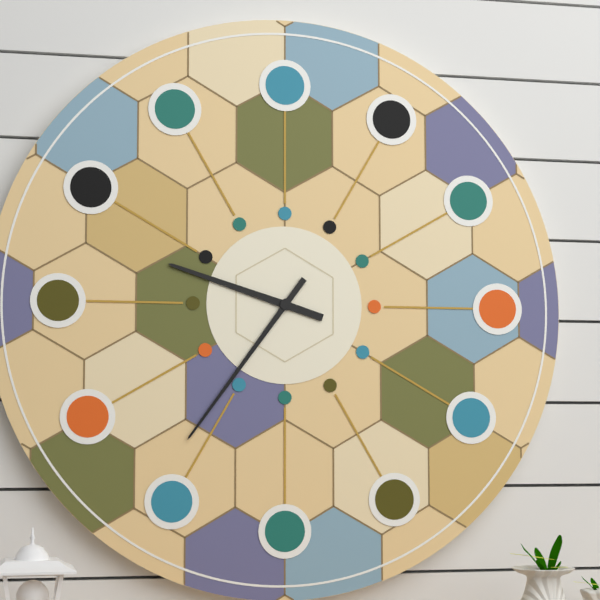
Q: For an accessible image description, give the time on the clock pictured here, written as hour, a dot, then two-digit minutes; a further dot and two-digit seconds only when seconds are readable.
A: 9.36
